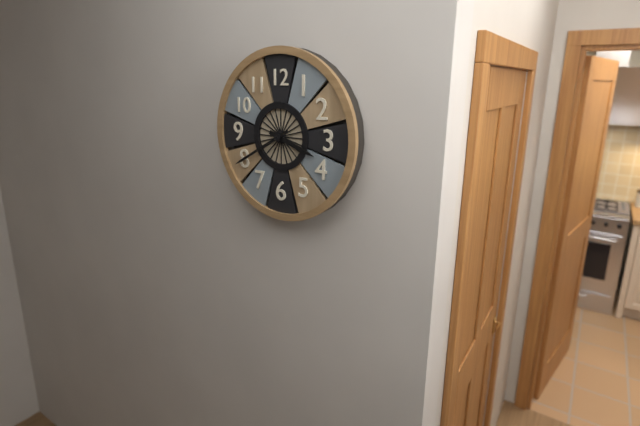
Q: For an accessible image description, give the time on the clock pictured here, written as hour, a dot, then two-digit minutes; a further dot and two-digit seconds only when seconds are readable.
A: 3.40
